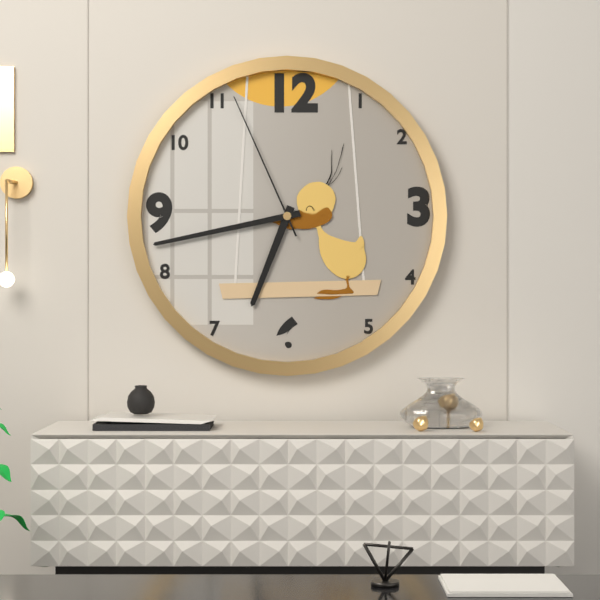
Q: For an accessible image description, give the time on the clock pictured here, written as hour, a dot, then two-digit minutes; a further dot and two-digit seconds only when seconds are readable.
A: 6.43.56
